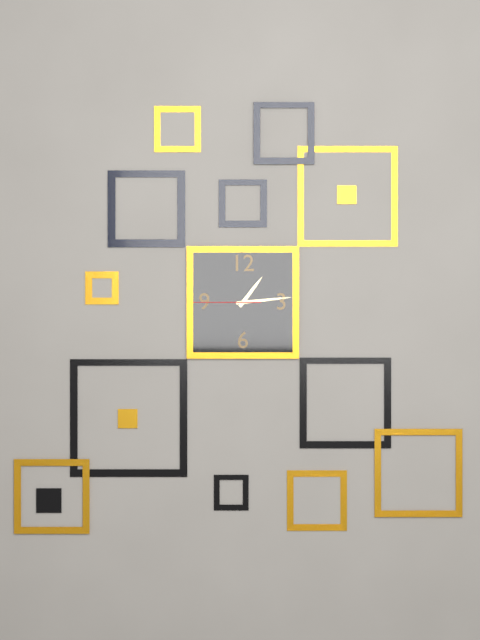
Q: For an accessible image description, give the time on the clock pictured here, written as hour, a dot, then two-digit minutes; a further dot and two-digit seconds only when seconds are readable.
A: 1.14.45
